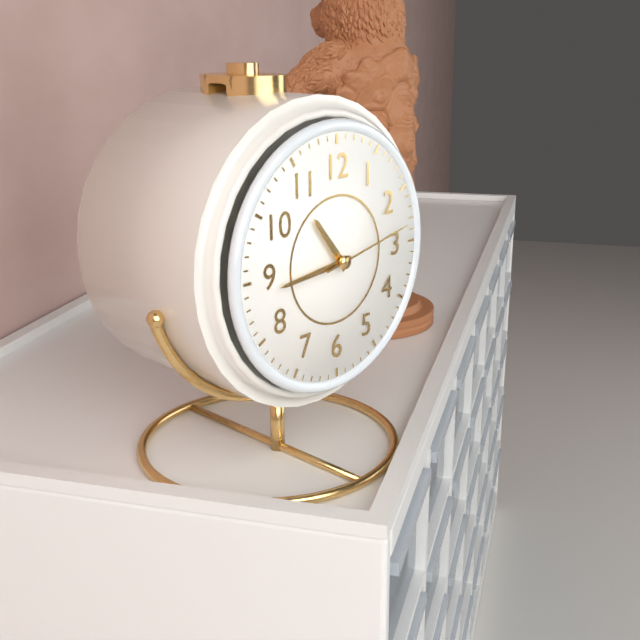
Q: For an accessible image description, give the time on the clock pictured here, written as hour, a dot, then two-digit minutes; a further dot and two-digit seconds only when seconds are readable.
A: 10.44.13
